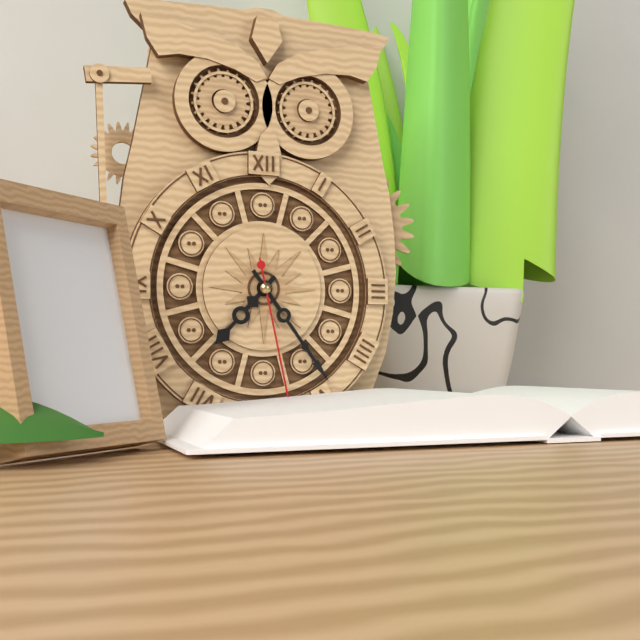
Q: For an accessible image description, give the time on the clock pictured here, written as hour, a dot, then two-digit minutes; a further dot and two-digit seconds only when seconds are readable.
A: 7.24.28
